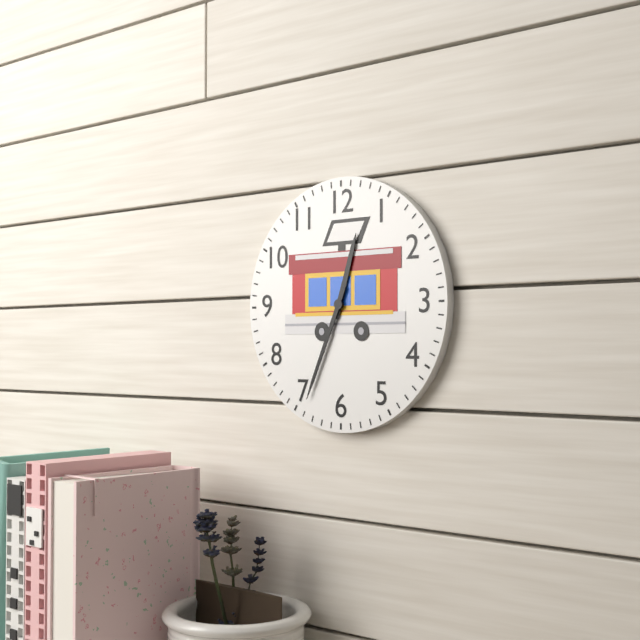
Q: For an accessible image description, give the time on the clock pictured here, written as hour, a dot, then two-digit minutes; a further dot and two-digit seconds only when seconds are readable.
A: 12.34
